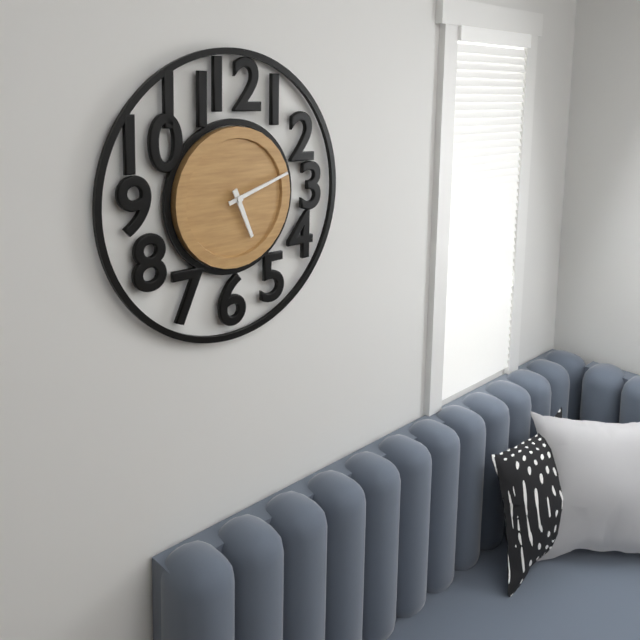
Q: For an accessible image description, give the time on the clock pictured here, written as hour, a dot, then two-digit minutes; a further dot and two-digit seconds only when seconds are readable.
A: 5.12
